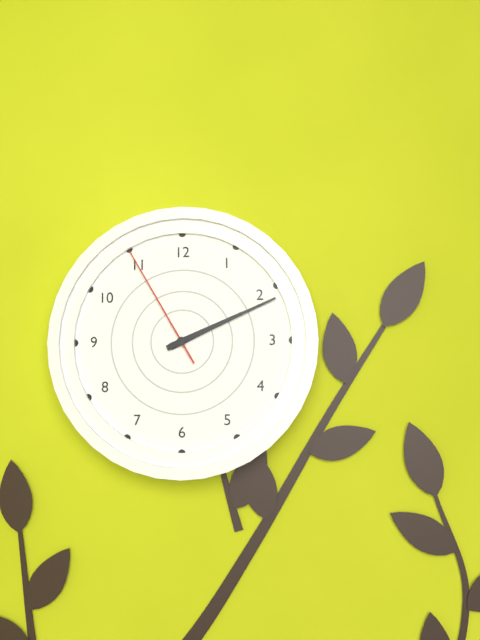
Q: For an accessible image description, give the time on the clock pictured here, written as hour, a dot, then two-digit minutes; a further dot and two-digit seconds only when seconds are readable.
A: 2.11.55
